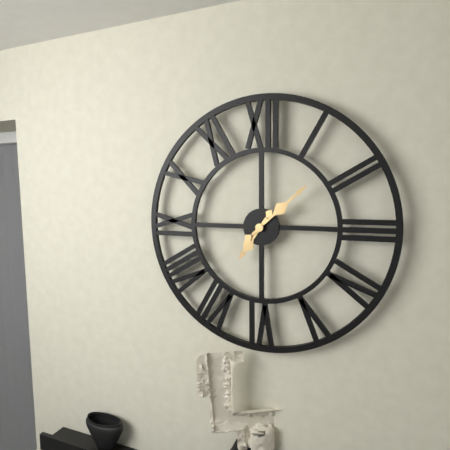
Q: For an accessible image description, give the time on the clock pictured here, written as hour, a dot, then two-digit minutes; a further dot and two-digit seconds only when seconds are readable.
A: 7.08
